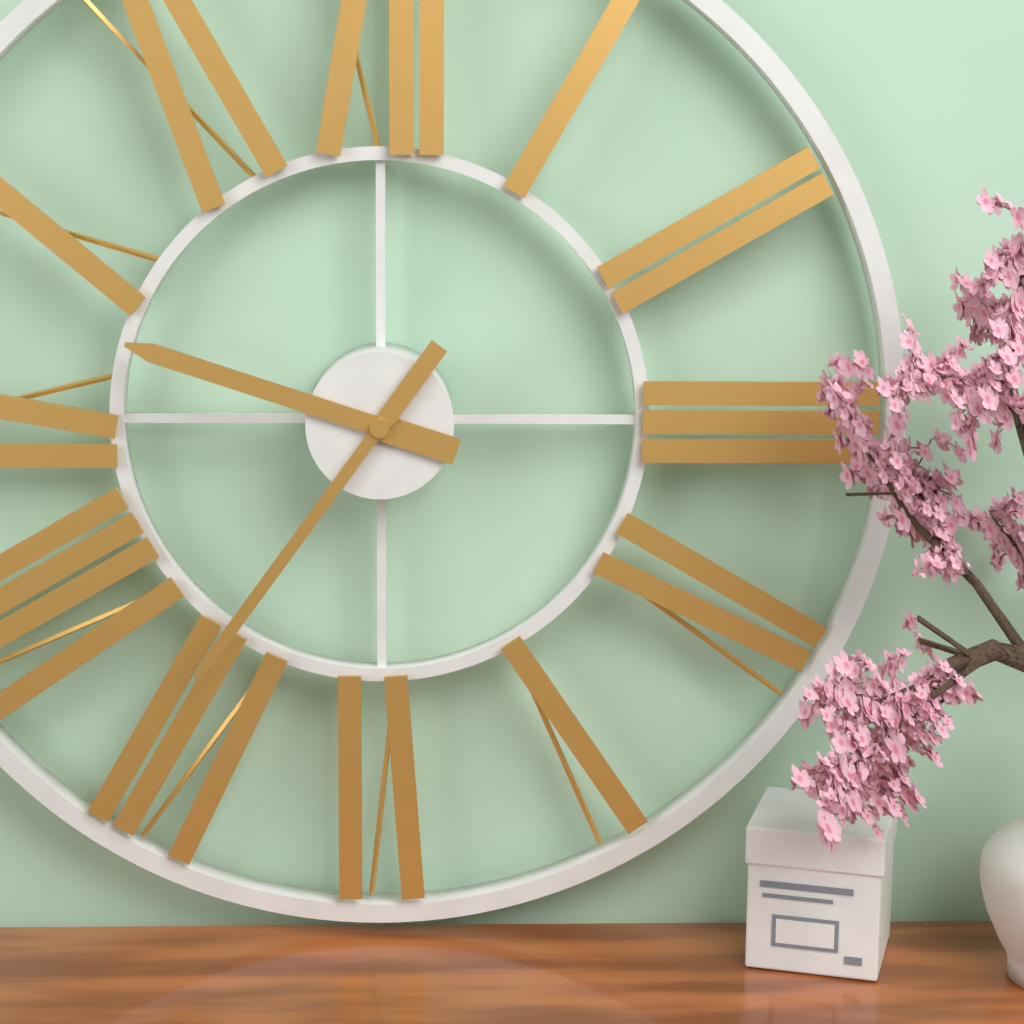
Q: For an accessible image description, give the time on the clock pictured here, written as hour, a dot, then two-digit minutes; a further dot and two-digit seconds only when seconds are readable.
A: 9.36
